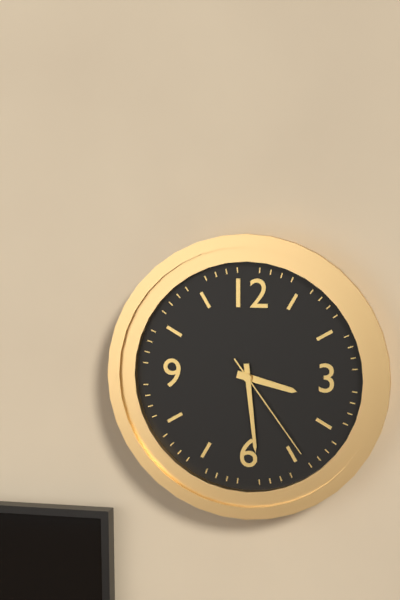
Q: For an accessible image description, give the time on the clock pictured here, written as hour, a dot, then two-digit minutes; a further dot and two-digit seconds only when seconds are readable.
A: 3.29.24
